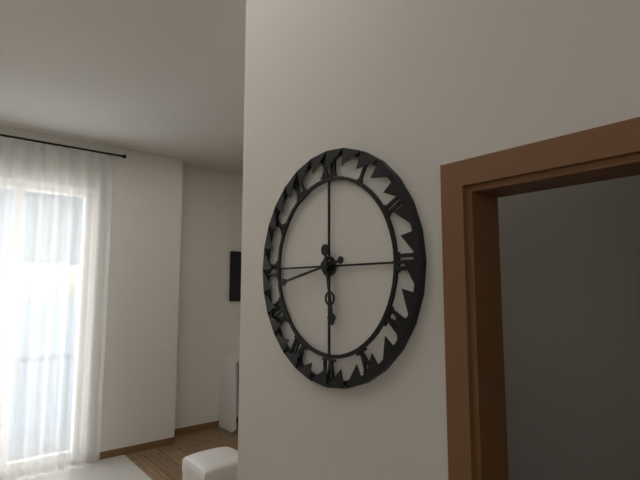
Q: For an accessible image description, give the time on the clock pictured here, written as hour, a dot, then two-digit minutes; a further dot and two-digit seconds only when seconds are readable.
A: 5.43
